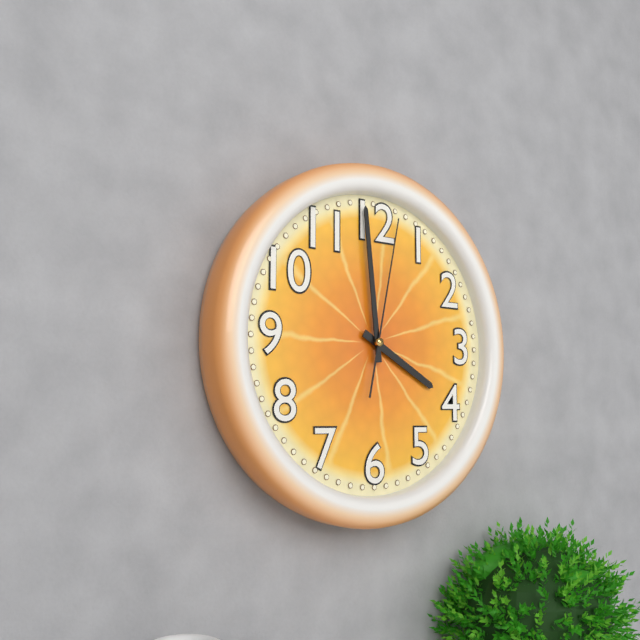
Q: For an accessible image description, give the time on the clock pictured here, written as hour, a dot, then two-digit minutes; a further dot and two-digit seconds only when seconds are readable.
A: 3.59.02
